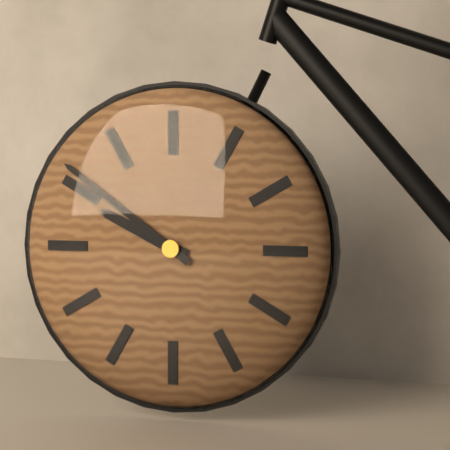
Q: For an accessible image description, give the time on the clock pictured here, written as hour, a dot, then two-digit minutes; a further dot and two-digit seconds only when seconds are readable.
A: 9.51
